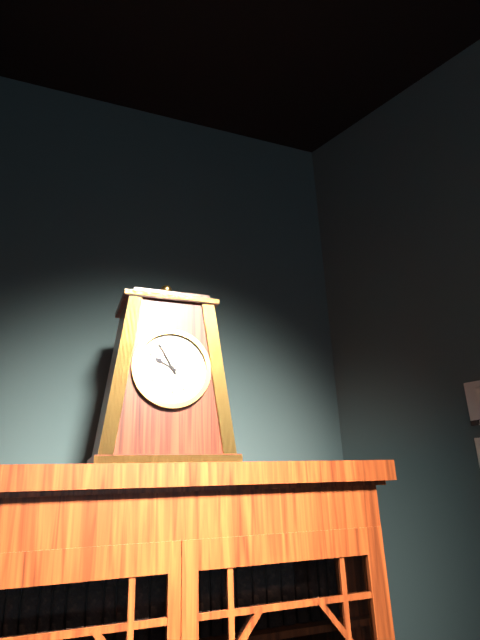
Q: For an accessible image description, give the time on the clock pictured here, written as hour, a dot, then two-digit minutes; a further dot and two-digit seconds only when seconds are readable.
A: 9.55
